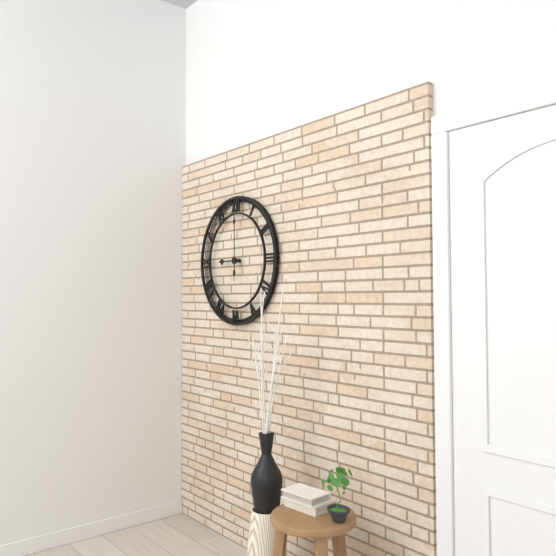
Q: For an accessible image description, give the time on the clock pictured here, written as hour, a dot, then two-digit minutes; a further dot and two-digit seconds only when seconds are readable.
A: 9.00
